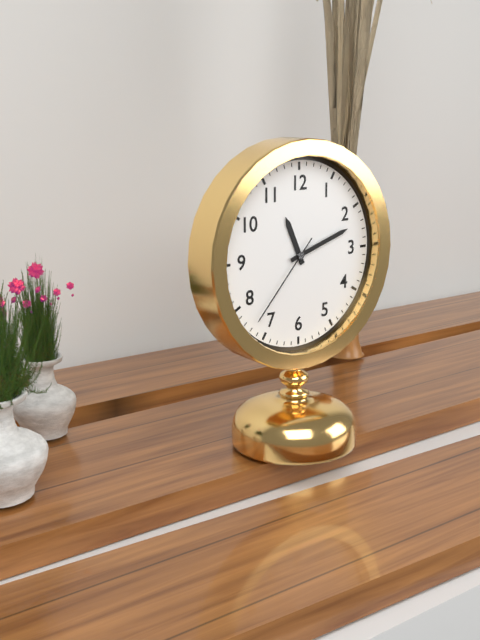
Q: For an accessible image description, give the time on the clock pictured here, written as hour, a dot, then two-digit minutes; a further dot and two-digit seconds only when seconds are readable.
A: 11.12.37
